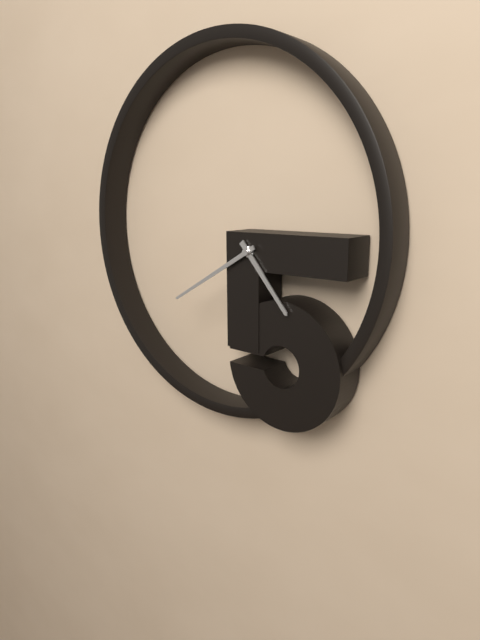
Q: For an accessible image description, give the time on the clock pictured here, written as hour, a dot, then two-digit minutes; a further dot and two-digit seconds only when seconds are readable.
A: 4.40
